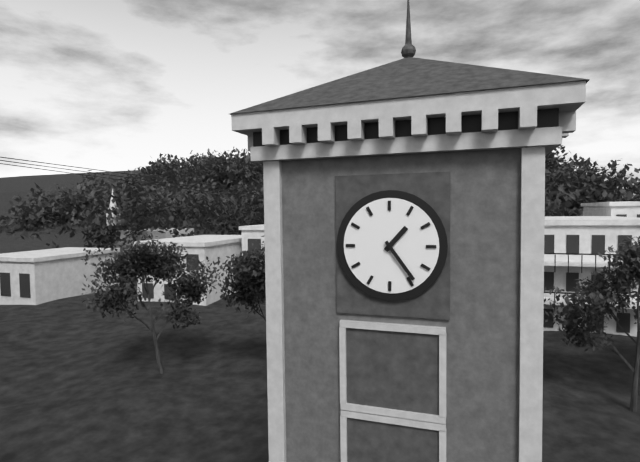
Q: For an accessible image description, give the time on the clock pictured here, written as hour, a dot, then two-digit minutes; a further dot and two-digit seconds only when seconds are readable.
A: 1.24
